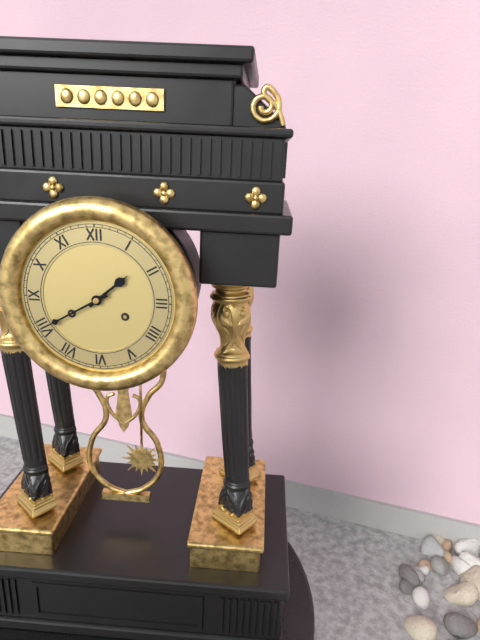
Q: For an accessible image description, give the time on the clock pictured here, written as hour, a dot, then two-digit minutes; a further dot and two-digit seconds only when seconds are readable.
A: 1.40
